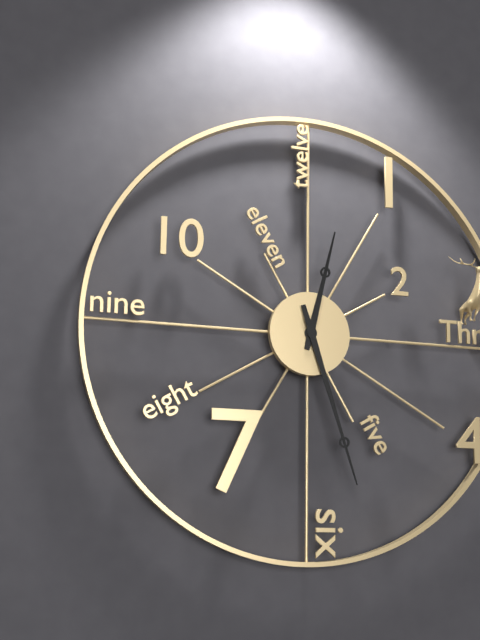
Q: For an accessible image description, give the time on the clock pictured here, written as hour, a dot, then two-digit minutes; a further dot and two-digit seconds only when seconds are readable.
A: 12.27
